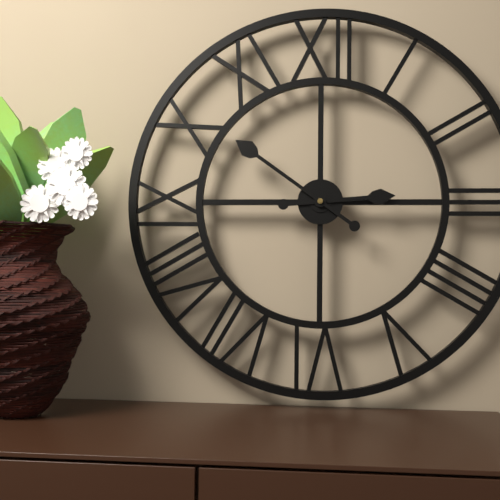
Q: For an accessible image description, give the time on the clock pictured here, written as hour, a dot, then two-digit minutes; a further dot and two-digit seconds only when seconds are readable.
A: 2.51
